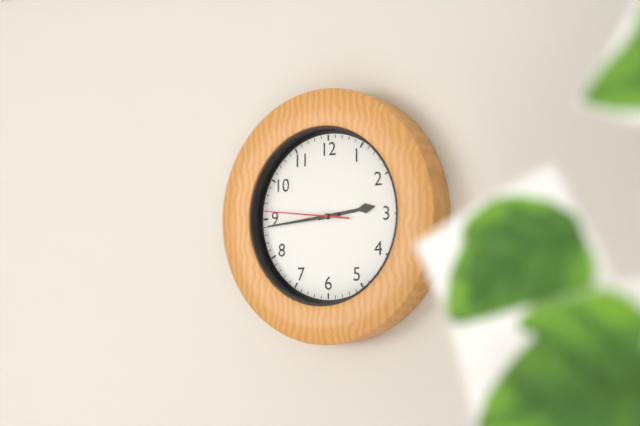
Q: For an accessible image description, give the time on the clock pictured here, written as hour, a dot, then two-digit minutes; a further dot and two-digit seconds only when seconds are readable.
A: 2.44.46
